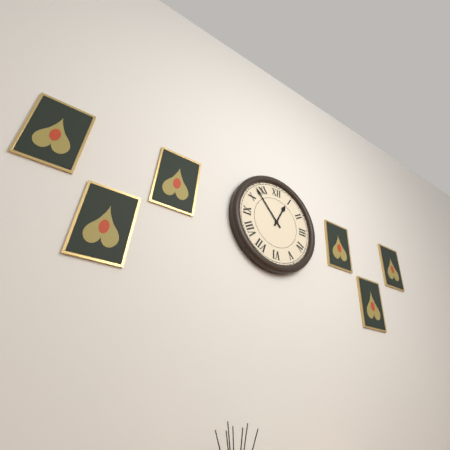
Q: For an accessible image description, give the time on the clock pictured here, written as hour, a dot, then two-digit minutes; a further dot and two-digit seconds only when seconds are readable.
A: 12.53
